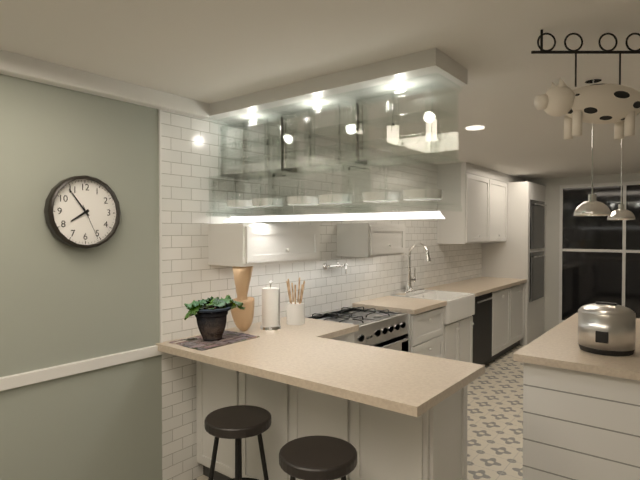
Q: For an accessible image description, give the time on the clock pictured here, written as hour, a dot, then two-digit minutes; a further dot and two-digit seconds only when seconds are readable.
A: 7.54
